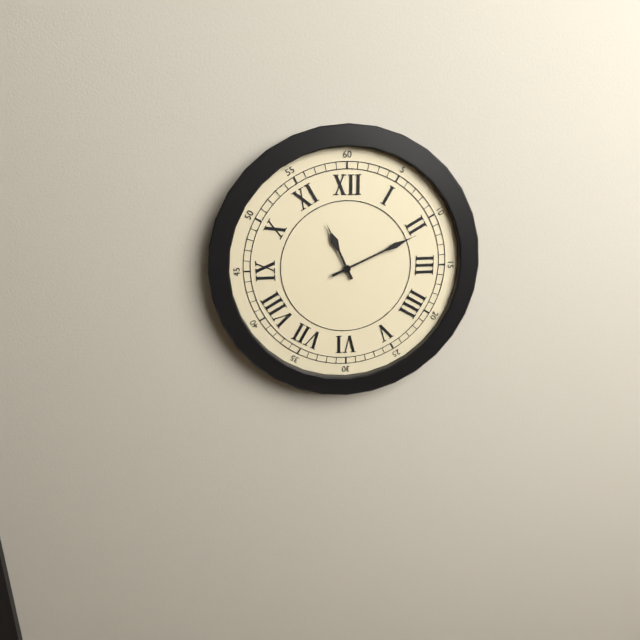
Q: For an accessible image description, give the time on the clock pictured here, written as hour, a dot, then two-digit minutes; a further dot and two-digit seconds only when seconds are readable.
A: 11.11
